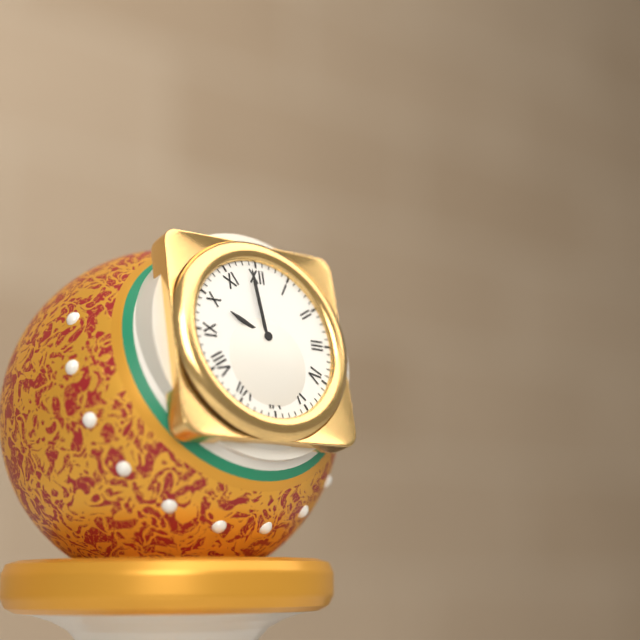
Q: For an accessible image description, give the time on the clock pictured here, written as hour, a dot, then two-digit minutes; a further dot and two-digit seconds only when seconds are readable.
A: 9.59
